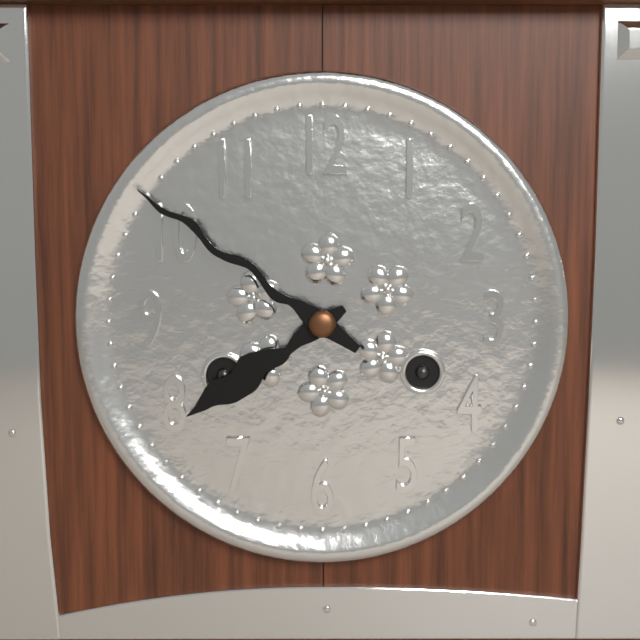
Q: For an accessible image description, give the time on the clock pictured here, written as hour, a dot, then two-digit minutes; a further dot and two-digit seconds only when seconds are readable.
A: 7.51
